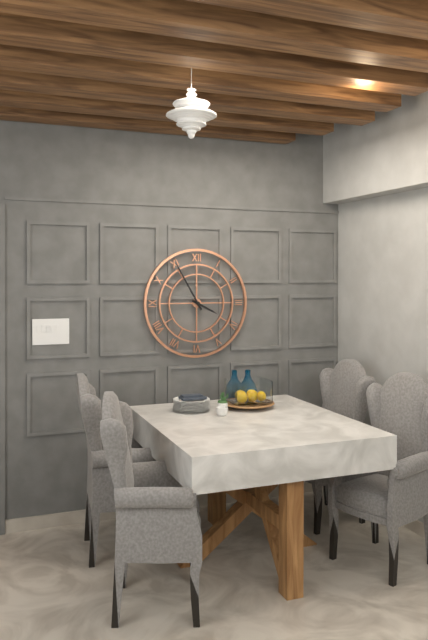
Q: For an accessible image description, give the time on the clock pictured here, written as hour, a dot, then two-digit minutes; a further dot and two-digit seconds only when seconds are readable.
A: 3.55
